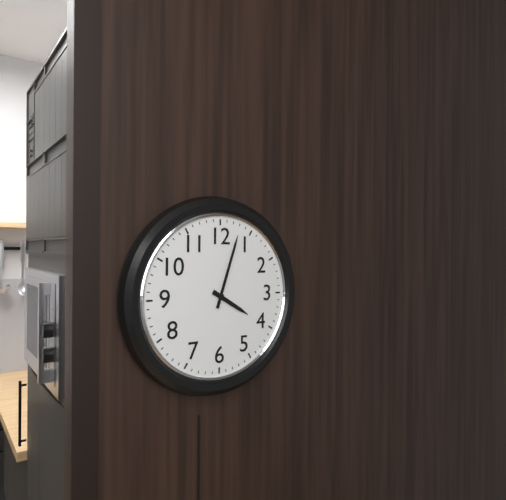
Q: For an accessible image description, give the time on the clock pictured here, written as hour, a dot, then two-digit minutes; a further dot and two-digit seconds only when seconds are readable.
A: 4.03
